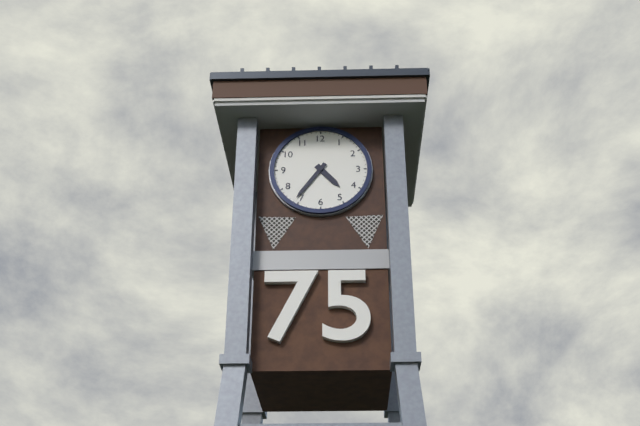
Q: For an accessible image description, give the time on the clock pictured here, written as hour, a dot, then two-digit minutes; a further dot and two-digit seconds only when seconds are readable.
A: 4.36
